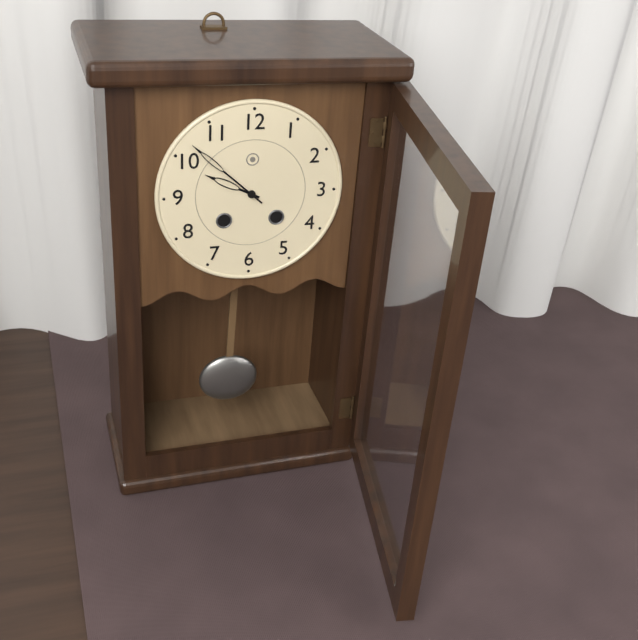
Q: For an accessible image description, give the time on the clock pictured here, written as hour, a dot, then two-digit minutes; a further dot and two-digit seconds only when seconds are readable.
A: 9.52
